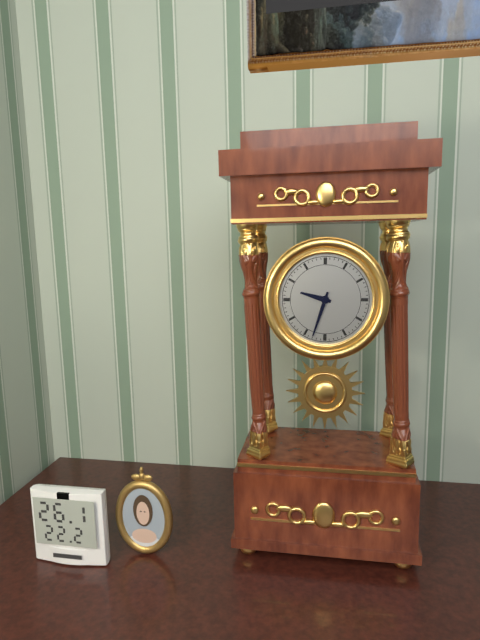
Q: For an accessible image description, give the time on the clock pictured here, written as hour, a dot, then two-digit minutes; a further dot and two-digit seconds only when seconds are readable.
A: 9.33
